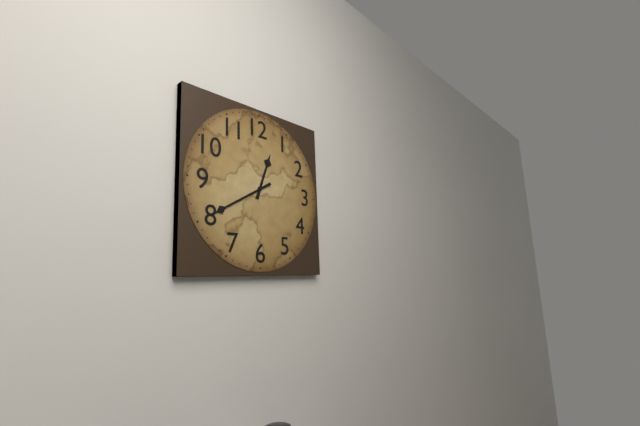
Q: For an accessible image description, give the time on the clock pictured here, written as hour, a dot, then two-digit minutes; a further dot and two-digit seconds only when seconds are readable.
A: 12.40
